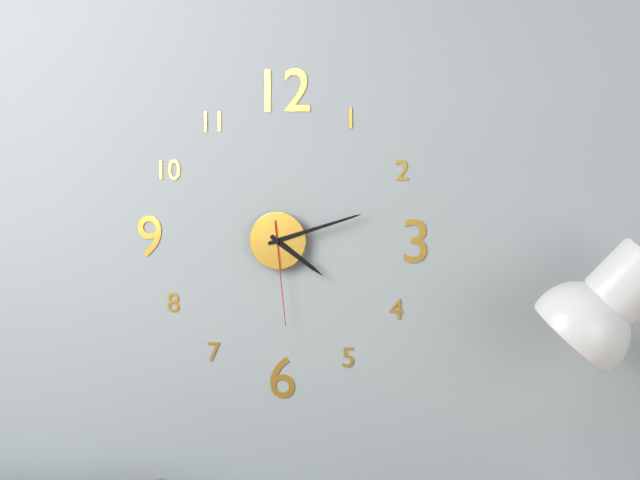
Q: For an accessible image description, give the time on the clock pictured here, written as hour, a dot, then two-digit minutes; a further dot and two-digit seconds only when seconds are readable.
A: 4.12.29
